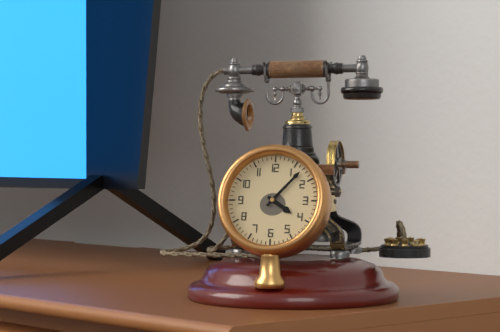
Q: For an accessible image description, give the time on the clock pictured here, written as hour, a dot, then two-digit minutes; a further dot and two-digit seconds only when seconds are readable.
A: 4.07
